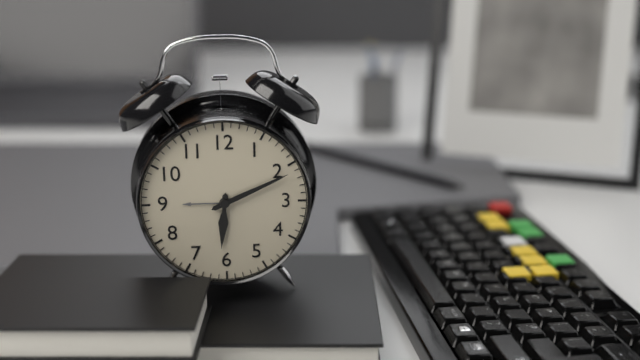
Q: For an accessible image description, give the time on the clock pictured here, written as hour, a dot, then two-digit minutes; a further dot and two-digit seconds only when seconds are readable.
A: 6.11
